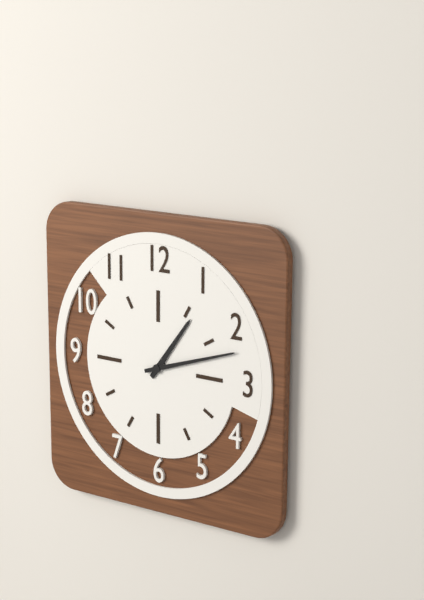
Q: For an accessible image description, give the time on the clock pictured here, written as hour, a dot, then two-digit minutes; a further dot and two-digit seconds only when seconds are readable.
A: 1.12
